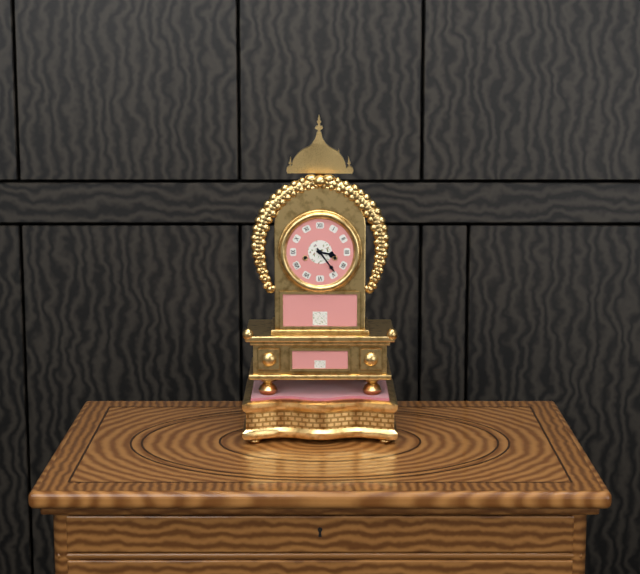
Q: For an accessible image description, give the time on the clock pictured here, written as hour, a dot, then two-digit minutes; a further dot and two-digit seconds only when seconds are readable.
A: 3.24
